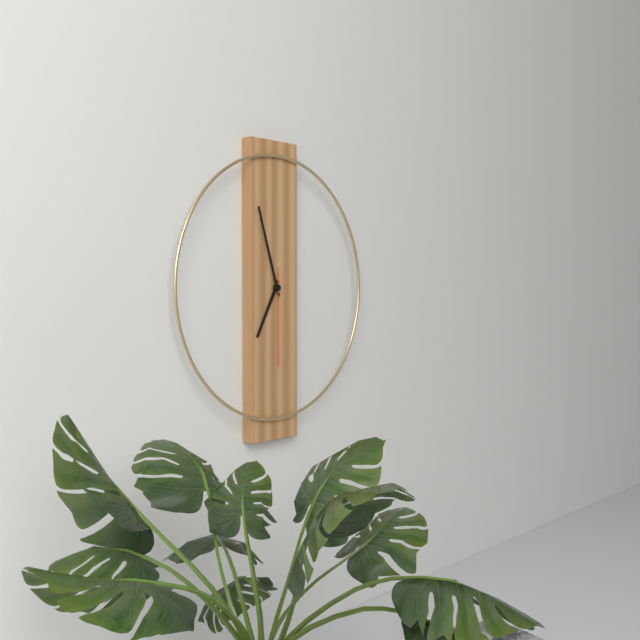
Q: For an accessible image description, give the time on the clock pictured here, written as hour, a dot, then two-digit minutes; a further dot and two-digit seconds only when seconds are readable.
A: 6.57.30
